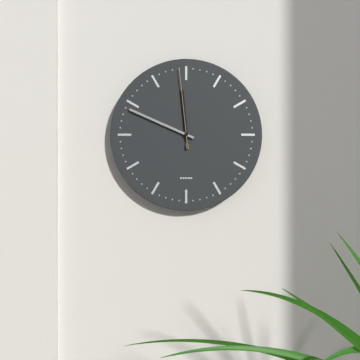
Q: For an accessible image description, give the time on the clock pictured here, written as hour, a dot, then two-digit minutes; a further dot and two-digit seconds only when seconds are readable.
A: 11.49.59
